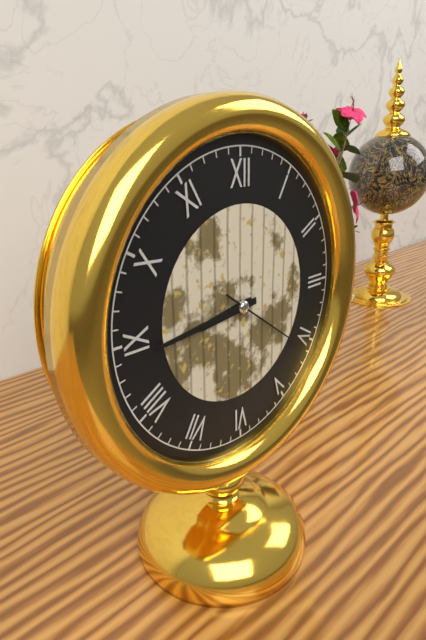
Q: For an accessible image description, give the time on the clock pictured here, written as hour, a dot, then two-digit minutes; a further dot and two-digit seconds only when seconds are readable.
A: 8.44.21
